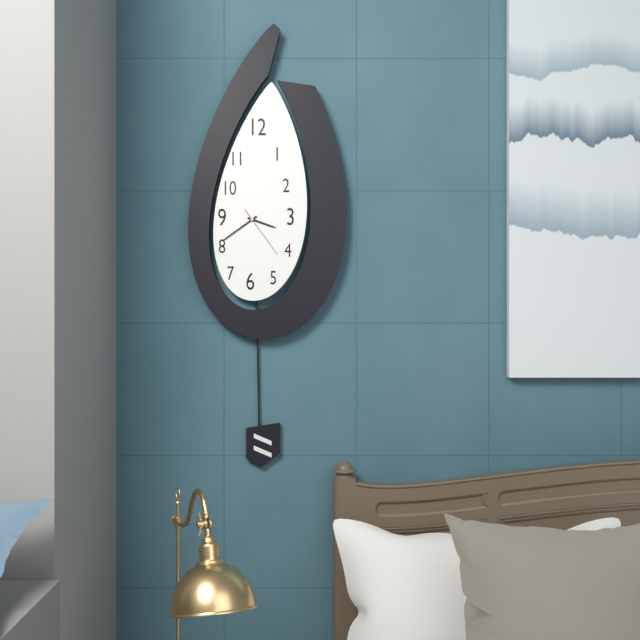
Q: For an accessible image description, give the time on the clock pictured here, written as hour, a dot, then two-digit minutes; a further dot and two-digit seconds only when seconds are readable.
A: 3.39.24
